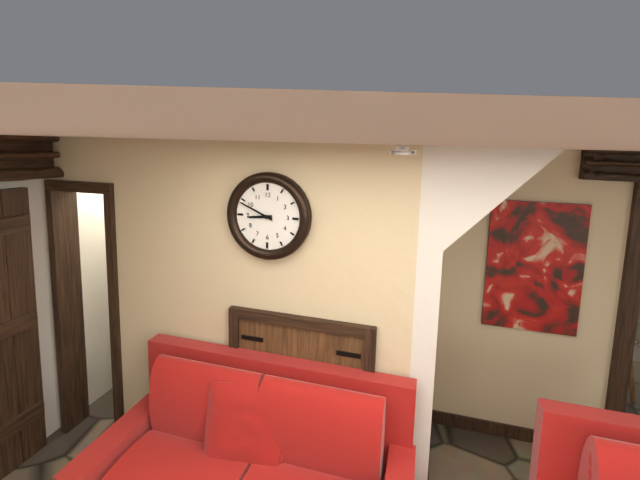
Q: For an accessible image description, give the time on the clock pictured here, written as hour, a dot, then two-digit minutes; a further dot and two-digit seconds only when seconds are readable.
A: 8.49
